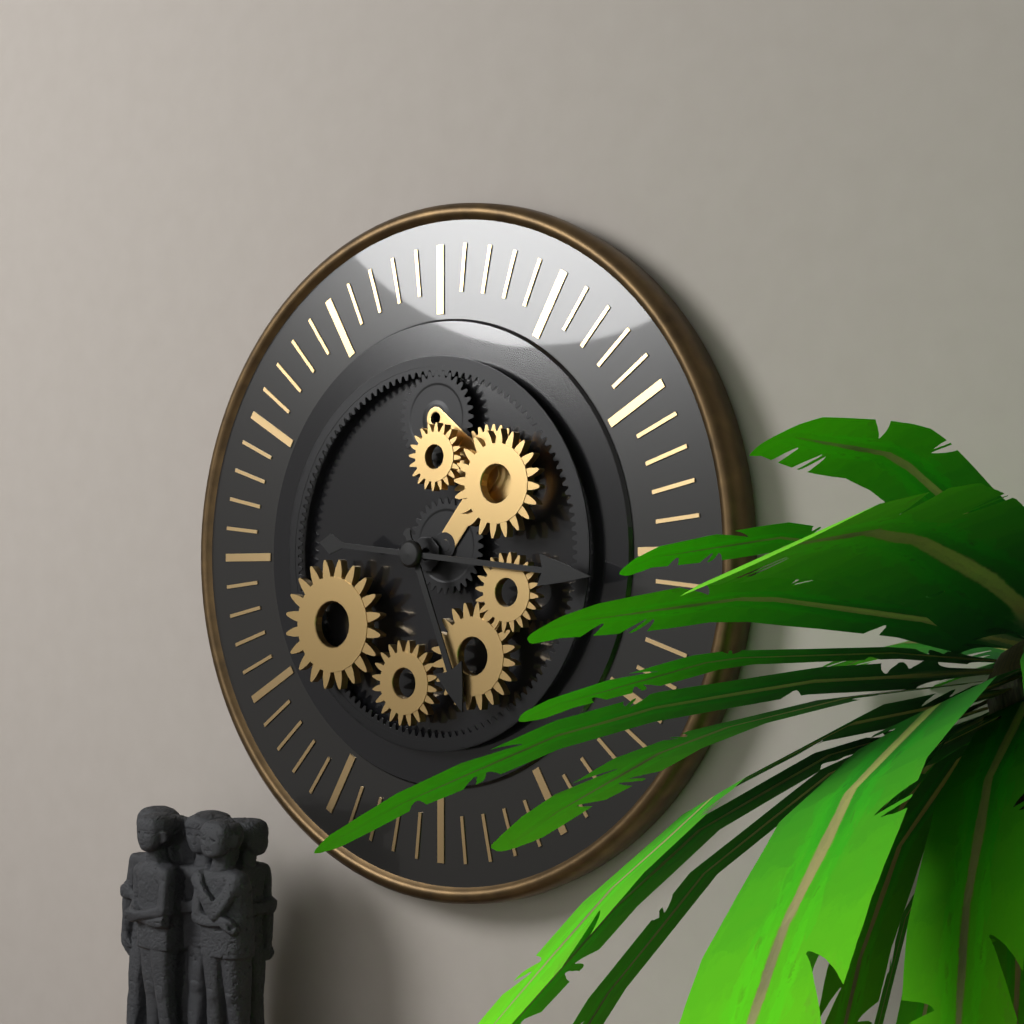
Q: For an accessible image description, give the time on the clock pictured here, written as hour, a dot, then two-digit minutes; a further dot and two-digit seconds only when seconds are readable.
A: 5.16
